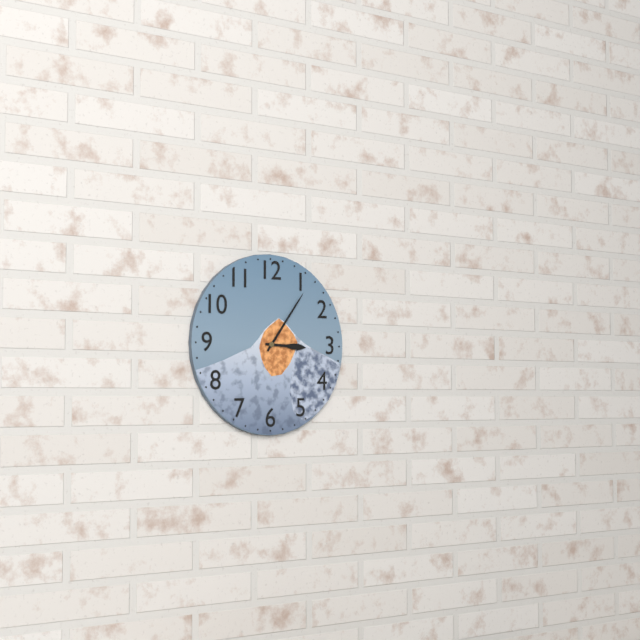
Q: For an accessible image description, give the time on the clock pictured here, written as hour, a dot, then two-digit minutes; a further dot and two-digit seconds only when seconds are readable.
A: 3.06
